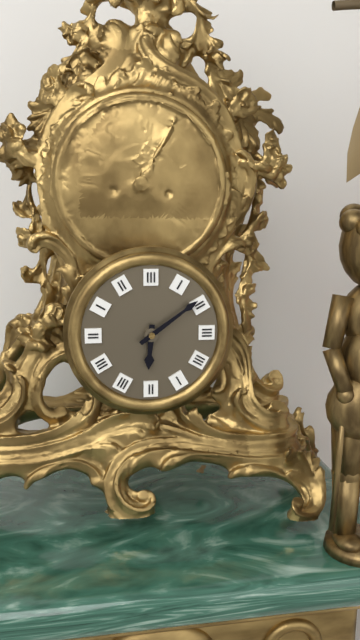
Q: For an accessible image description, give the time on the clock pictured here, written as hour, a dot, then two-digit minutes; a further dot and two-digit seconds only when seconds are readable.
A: 6.09
